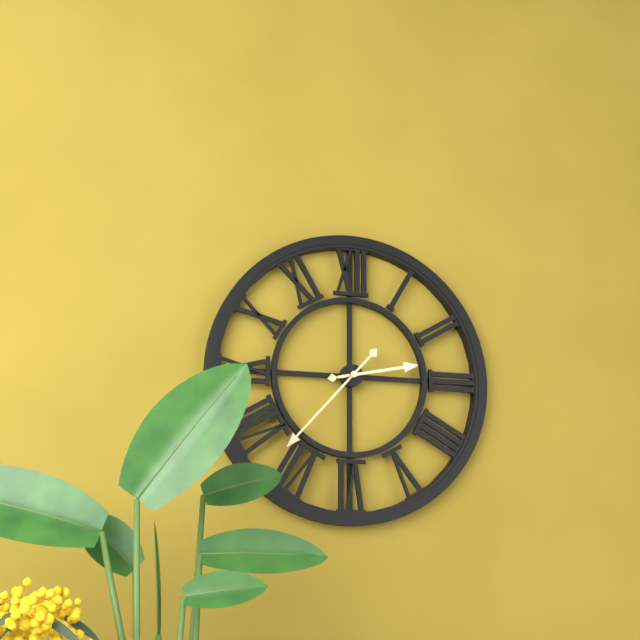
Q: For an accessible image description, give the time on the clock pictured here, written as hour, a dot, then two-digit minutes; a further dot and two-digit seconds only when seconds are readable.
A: 2.37
